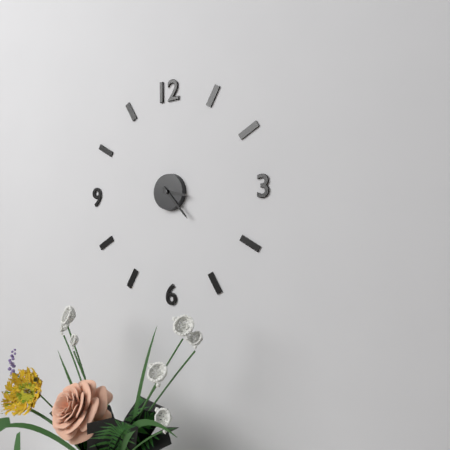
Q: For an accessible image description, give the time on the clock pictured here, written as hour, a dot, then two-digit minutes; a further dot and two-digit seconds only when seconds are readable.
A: 3.23
